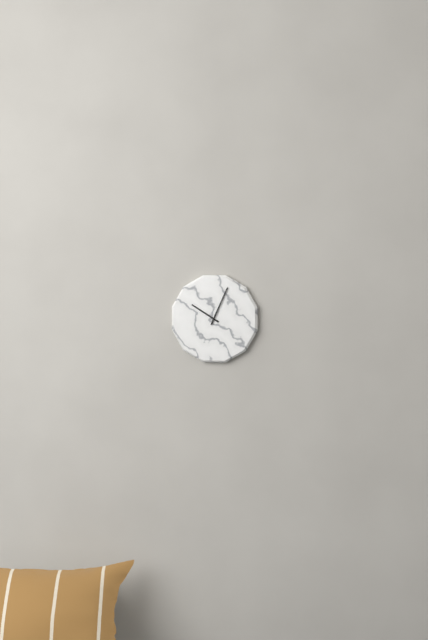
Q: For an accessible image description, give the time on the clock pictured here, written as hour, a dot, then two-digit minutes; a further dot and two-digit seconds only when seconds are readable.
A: 10.04
